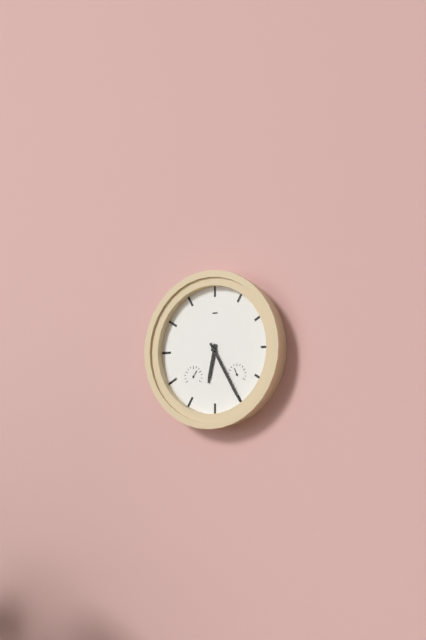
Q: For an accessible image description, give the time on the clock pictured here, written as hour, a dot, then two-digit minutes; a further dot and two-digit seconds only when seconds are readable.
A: 6.25
